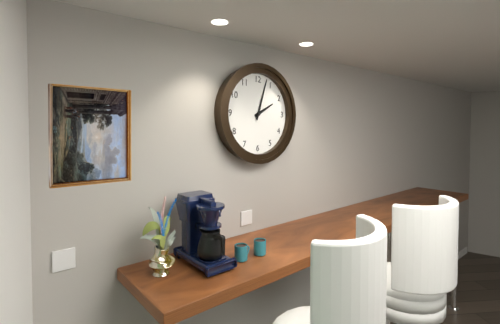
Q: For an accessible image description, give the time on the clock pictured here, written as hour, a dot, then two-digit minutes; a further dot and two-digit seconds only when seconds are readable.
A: 2.03
